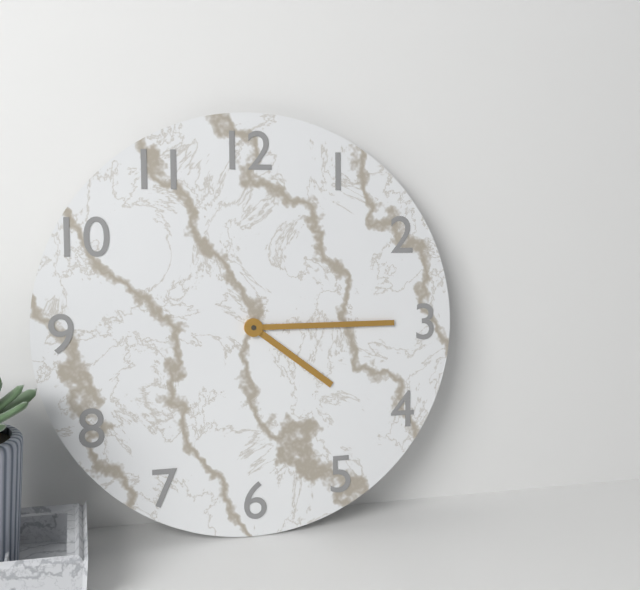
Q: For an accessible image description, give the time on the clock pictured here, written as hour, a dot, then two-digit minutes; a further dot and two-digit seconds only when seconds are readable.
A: 4.15
